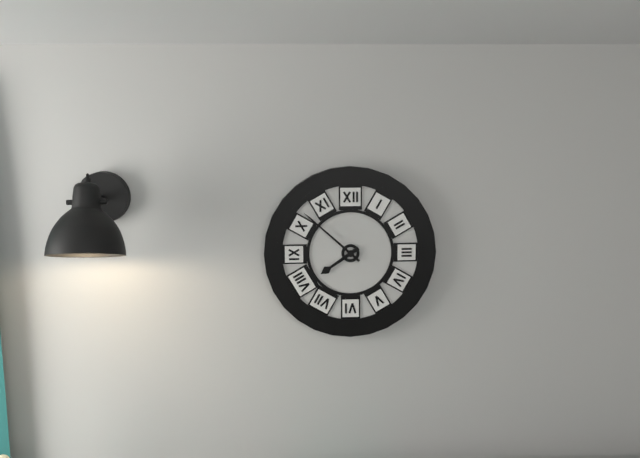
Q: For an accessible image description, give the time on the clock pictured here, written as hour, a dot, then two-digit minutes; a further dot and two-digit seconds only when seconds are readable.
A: 7.52
